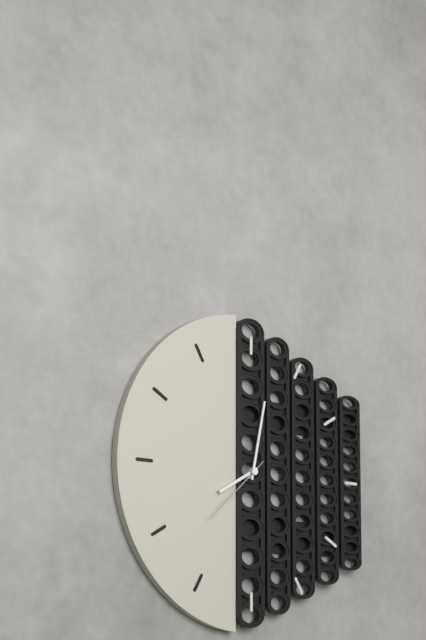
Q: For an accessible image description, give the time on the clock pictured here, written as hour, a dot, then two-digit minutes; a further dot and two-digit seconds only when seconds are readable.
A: 8.02.38
